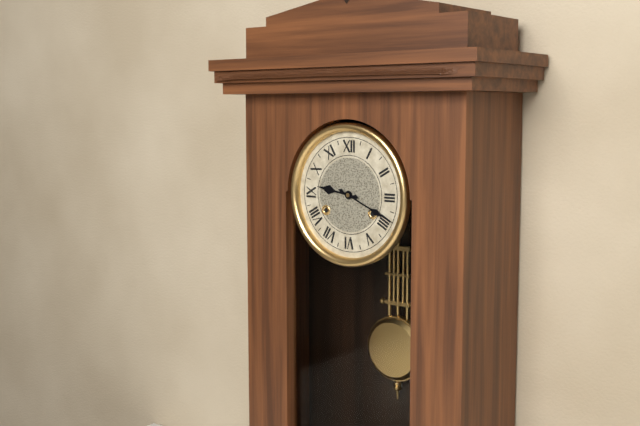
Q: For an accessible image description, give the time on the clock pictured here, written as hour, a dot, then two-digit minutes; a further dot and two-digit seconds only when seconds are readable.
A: 9.19
